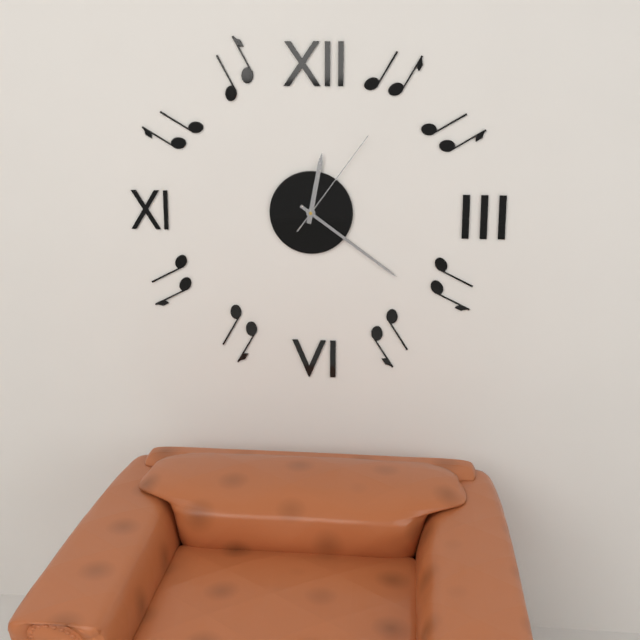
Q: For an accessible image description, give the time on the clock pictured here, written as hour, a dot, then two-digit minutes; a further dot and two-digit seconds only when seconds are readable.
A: 12.21.06
